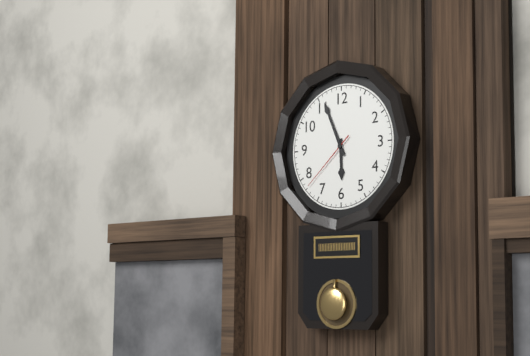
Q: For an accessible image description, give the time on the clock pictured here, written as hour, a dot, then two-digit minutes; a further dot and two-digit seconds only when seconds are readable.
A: 5.56.38
